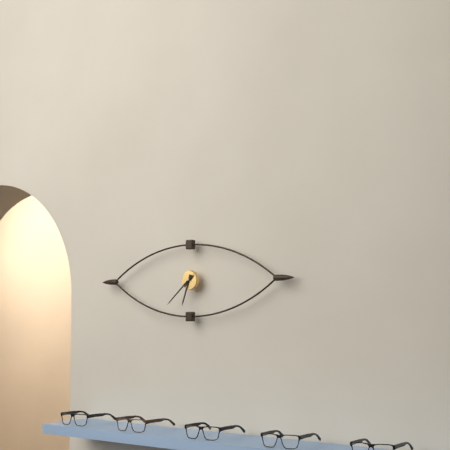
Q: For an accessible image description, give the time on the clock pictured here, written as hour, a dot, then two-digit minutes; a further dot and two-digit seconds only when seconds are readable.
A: 6.38
